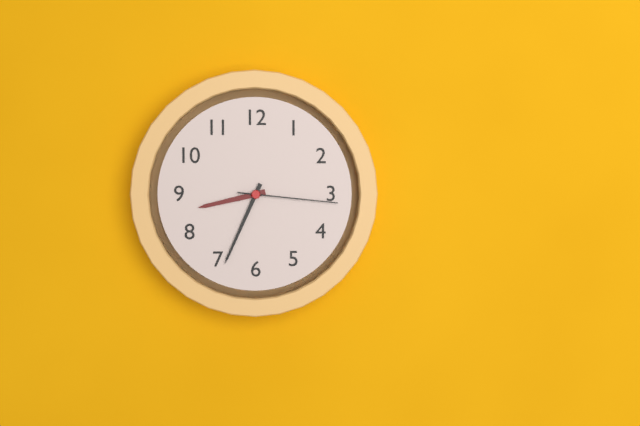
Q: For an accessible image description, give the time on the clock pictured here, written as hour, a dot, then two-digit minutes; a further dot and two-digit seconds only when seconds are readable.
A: 8.34.16
